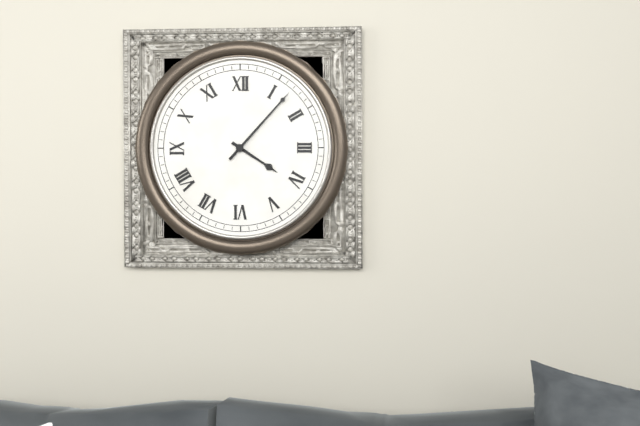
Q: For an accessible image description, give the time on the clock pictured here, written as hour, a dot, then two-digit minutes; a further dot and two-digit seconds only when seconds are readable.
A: 4.07
